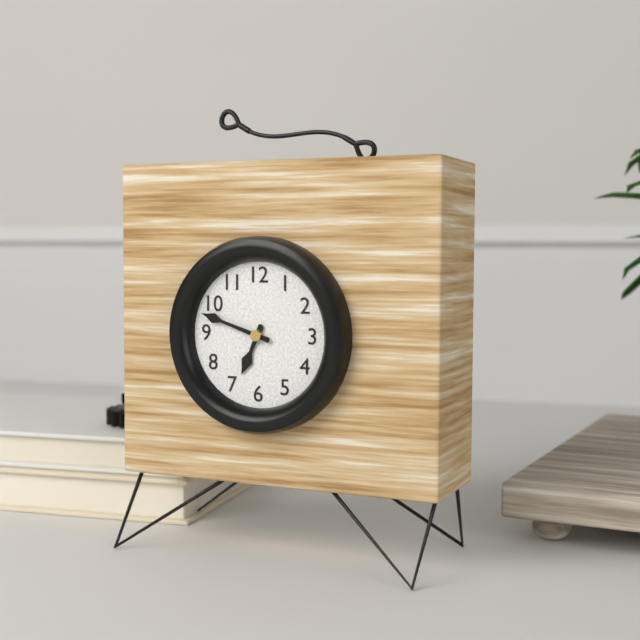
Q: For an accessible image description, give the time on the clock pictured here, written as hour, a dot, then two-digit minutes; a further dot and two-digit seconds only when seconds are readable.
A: 6.48
